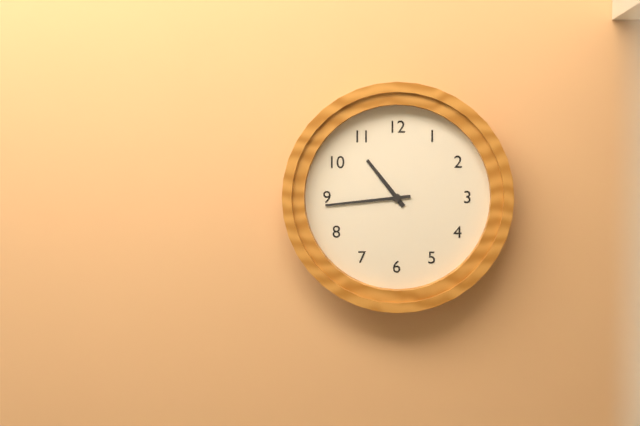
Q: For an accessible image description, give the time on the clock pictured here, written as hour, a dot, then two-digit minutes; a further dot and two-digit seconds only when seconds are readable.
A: 10.44
